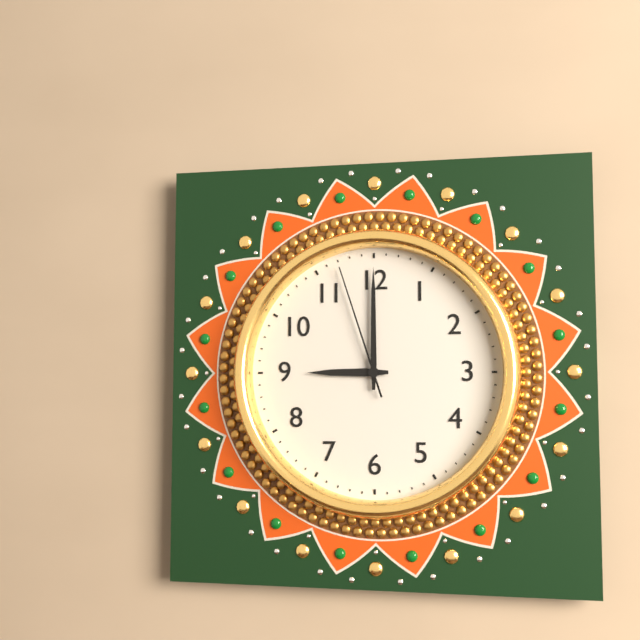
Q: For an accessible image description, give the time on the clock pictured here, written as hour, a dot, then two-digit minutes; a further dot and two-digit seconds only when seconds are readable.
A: 9.00.57
